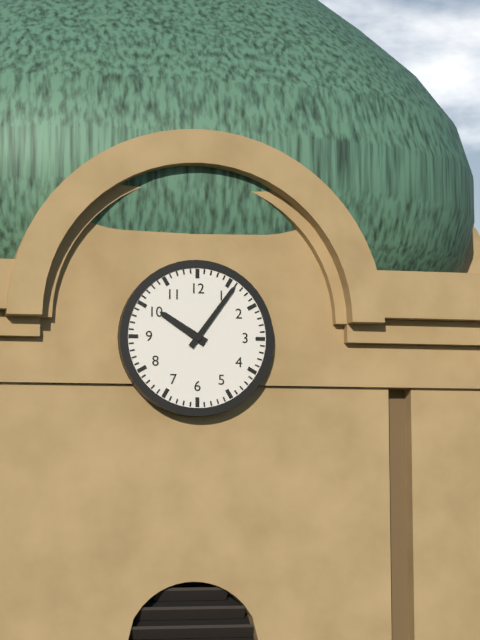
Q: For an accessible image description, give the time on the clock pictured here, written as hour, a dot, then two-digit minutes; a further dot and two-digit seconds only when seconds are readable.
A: 10.06
